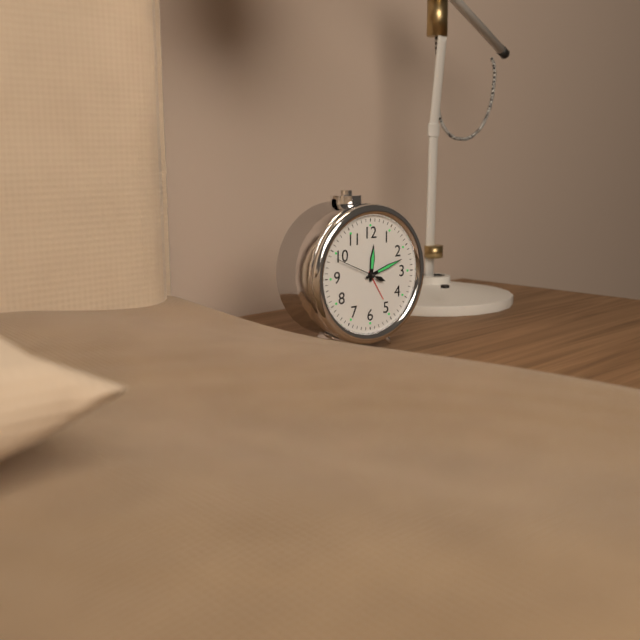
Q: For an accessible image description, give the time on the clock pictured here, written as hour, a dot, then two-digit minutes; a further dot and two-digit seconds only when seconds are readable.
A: 12.12
